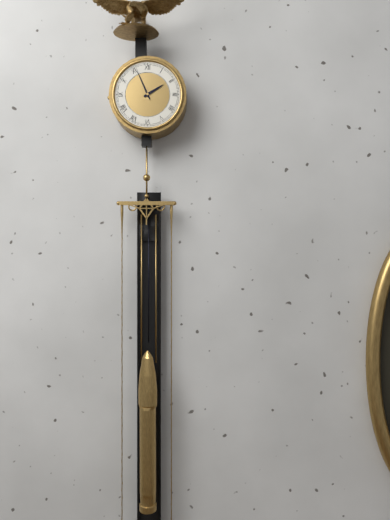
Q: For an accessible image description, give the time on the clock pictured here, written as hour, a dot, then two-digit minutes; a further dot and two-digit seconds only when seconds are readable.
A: 1.56
